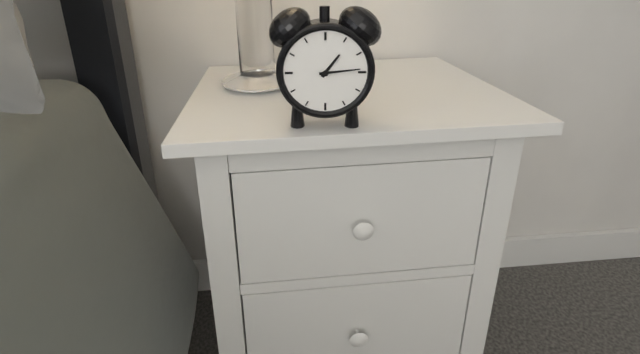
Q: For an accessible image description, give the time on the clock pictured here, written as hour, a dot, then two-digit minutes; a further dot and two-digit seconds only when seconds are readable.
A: 1.14
